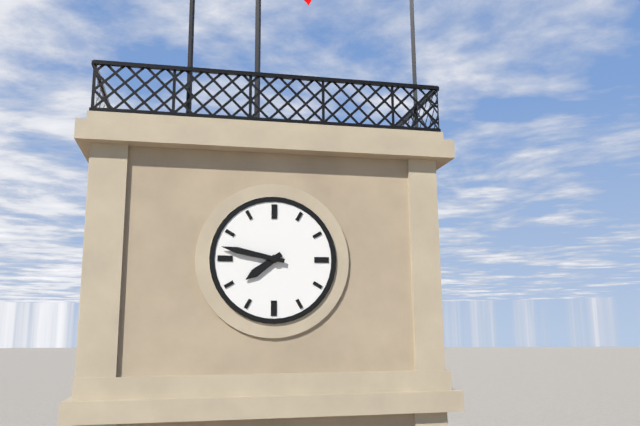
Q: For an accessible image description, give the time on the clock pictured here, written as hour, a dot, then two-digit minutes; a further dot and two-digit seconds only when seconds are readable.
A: 7.47
